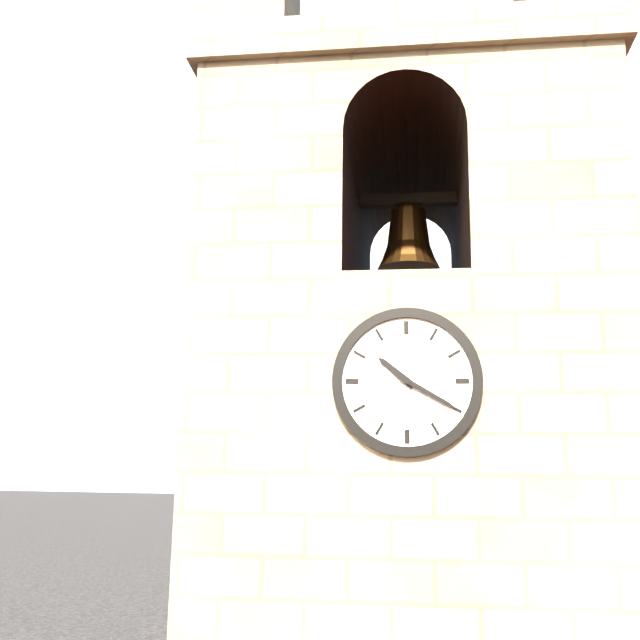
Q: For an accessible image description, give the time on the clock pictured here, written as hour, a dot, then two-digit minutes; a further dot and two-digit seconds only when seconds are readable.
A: 10.20
